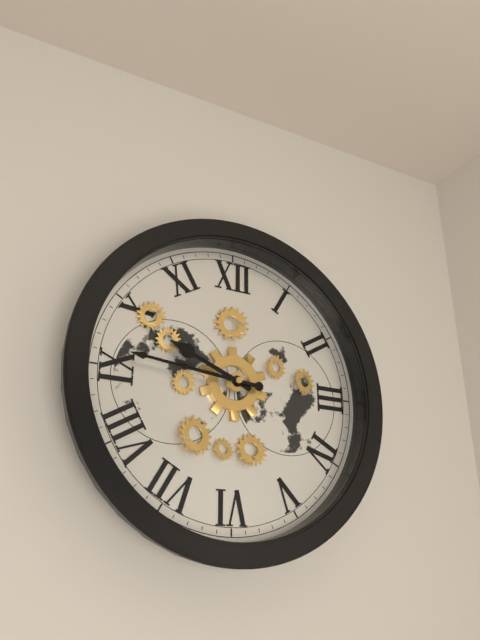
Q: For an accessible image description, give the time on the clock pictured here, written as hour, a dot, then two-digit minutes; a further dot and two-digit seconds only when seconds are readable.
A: 9.46
